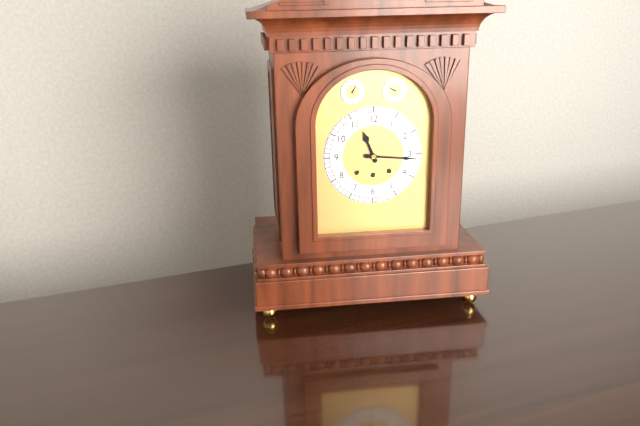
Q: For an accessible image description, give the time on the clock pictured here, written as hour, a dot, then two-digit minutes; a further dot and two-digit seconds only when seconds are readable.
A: 11.16
